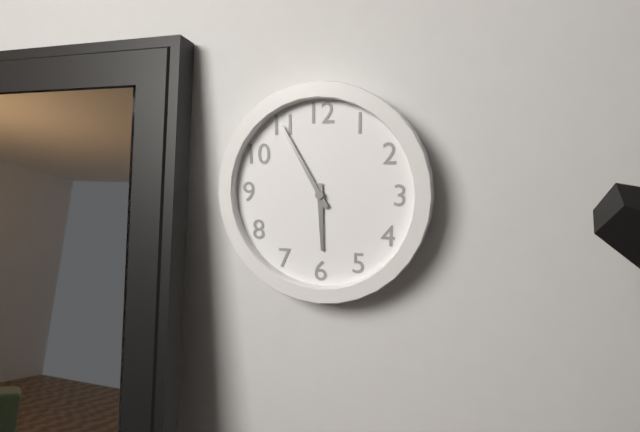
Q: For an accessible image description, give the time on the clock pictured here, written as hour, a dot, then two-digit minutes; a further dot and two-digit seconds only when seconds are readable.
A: 5.55
